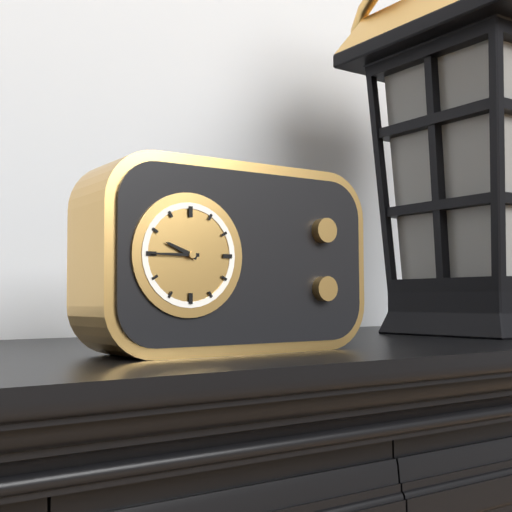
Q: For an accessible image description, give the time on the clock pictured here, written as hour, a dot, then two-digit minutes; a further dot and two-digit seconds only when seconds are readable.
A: 9.45
